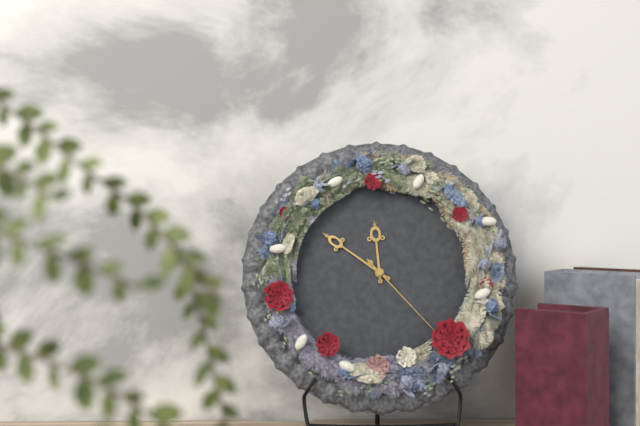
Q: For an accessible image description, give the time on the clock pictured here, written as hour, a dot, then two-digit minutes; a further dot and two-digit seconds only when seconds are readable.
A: 11.51.23
